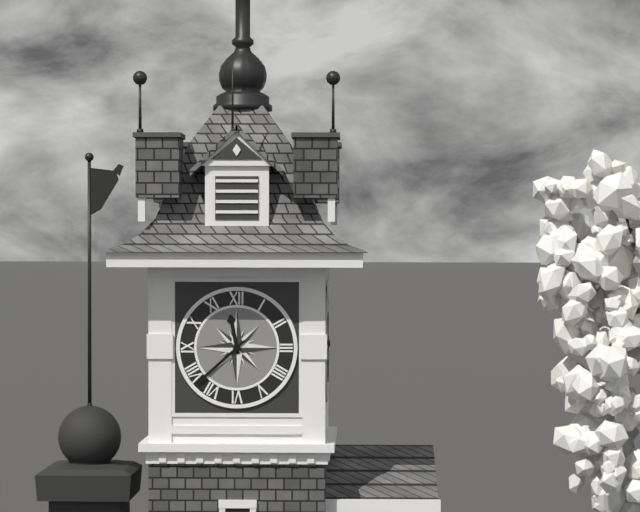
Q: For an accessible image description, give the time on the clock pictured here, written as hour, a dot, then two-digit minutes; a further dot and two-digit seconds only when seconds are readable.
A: 11.38
